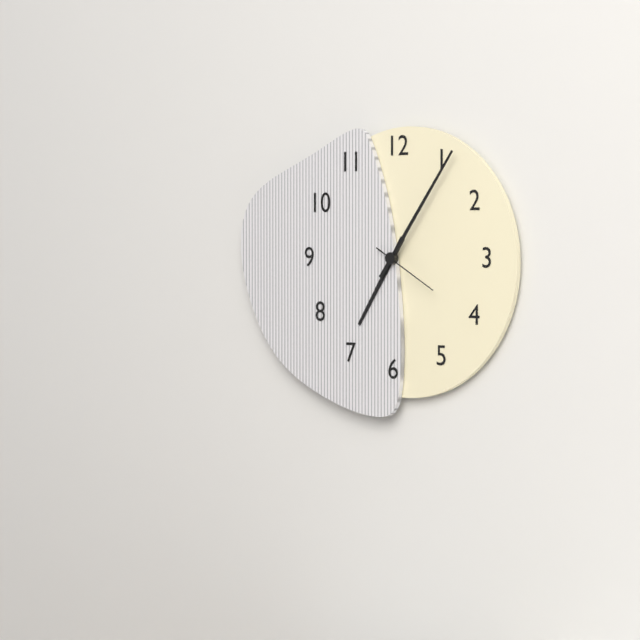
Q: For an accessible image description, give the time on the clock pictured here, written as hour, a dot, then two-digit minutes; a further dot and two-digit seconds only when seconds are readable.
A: 7.06.20
